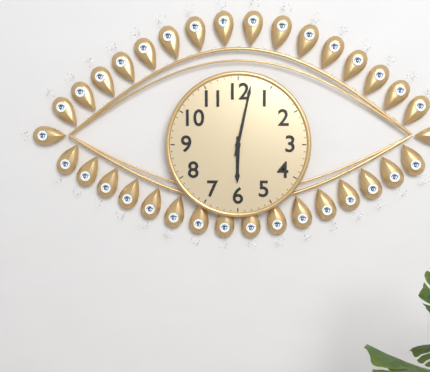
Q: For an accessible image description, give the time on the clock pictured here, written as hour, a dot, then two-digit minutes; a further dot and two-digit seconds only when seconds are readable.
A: 6.02
